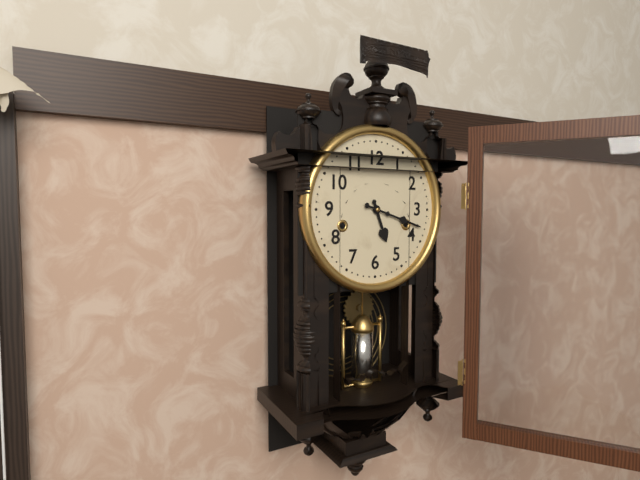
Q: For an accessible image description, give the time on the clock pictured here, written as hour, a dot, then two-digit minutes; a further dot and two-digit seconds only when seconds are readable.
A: 5.18
